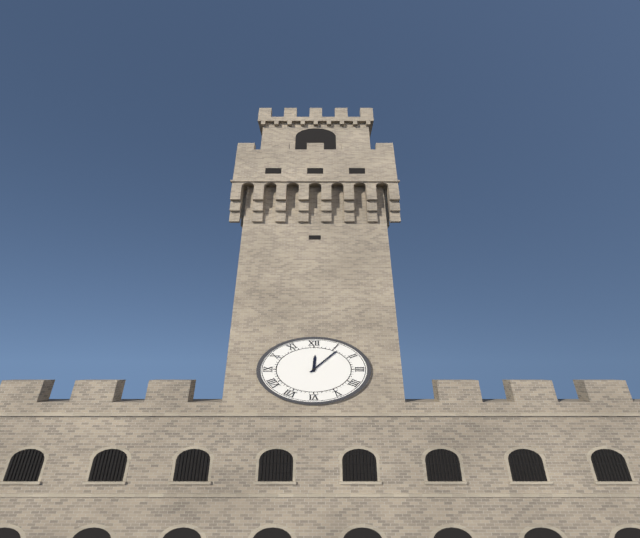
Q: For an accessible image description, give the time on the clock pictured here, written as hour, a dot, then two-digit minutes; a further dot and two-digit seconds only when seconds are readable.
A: 12.06
